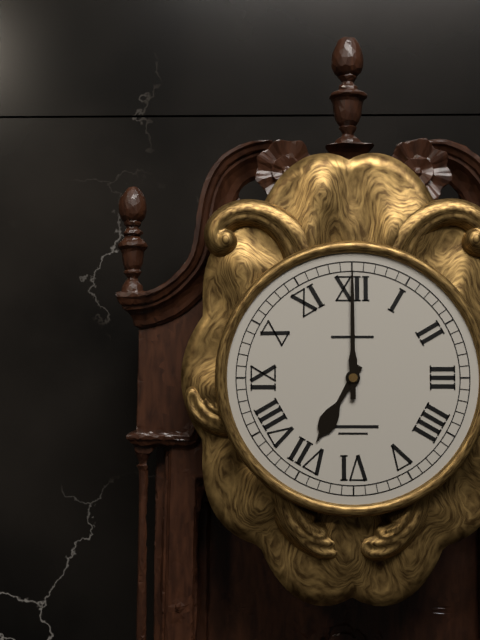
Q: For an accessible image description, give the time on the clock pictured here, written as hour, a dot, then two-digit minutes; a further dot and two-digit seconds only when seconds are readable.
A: 7.00
